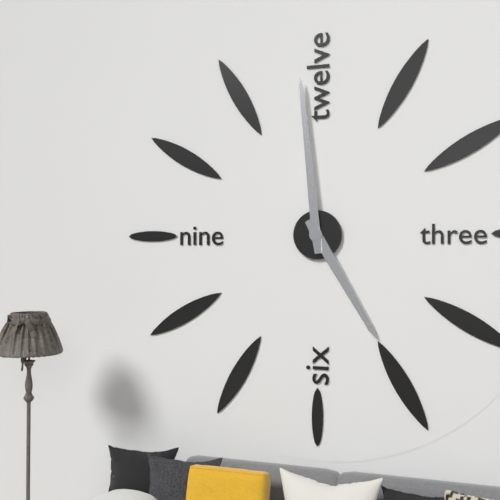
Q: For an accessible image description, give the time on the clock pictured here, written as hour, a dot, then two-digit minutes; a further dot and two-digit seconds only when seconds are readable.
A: 4.59
